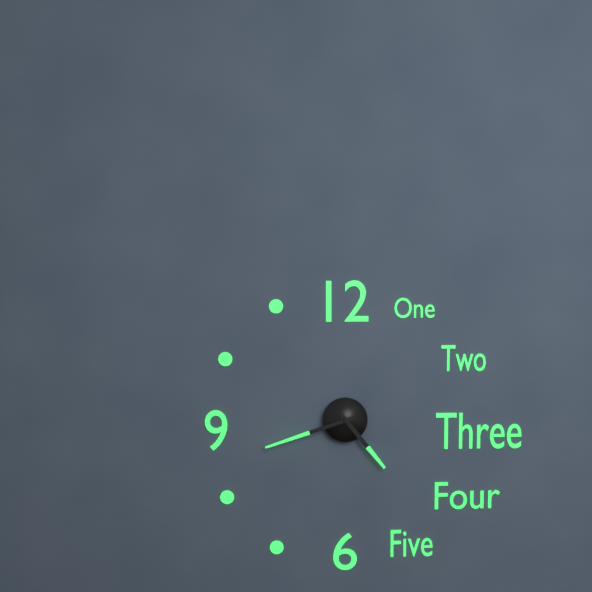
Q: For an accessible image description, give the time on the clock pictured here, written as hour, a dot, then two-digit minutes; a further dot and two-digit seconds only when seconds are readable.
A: 4.42
